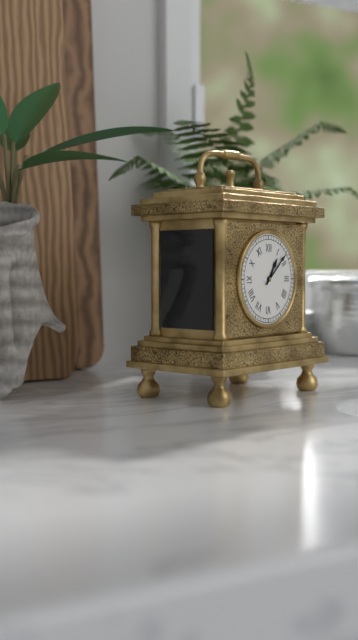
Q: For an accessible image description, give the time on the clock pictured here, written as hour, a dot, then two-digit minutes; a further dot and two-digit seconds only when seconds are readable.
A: 1.08
